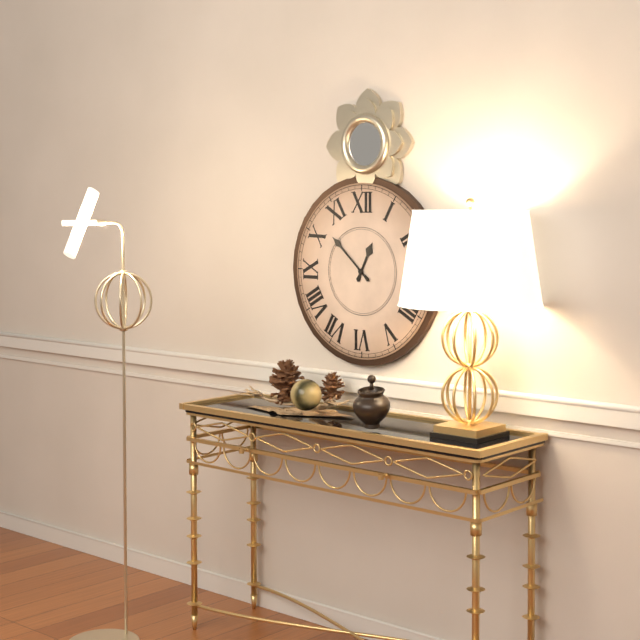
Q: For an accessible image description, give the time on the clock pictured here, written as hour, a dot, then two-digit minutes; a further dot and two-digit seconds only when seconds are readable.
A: 12.52
